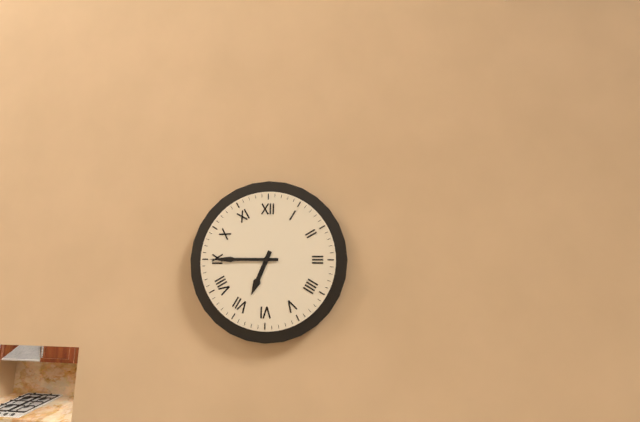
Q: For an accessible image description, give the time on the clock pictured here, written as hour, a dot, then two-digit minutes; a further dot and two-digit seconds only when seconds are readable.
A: 6.45
